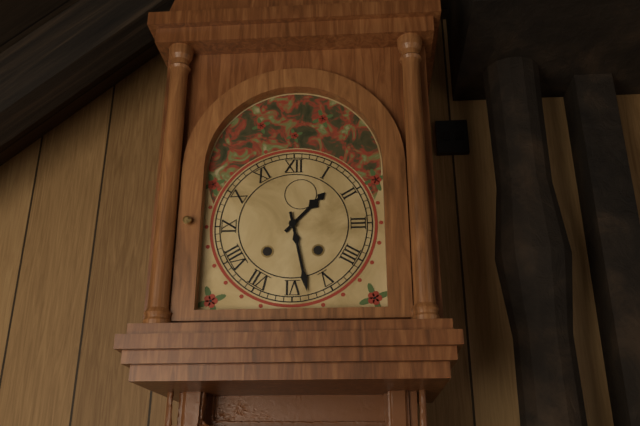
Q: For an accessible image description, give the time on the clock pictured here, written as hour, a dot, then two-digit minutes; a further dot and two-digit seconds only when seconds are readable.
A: 1.28
